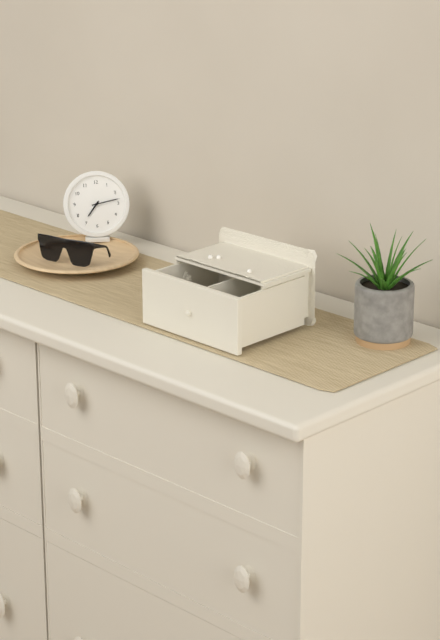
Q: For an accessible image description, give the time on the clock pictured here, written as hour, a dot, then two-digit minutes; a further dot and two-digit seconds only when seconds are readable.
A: 7.13
